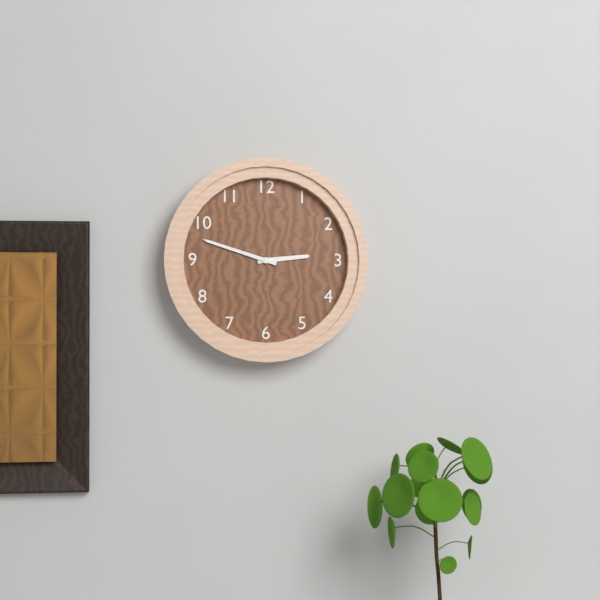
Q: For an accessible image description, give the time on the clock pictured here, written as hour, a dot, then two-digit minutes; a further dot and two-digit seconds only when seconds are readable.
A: 2.48
